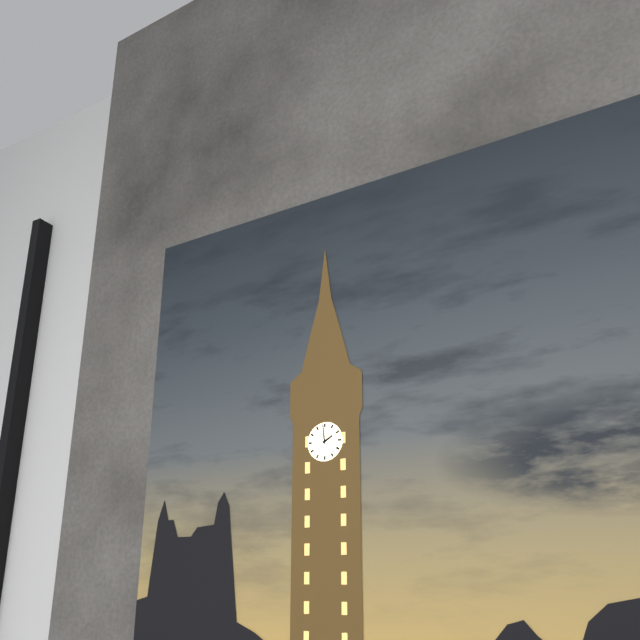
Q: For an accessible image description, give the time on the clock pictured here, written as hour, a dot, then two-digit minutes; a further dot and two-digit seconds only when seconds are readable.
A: 1.59
